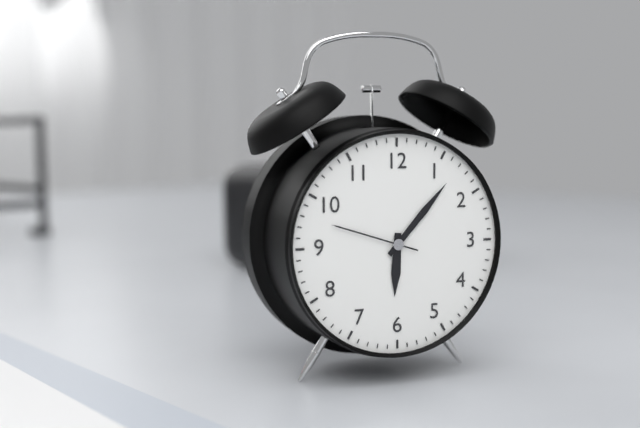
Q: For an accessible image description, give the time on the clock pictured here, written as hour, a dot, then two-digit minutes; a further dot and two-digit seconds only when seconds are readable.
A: 6.07.48
